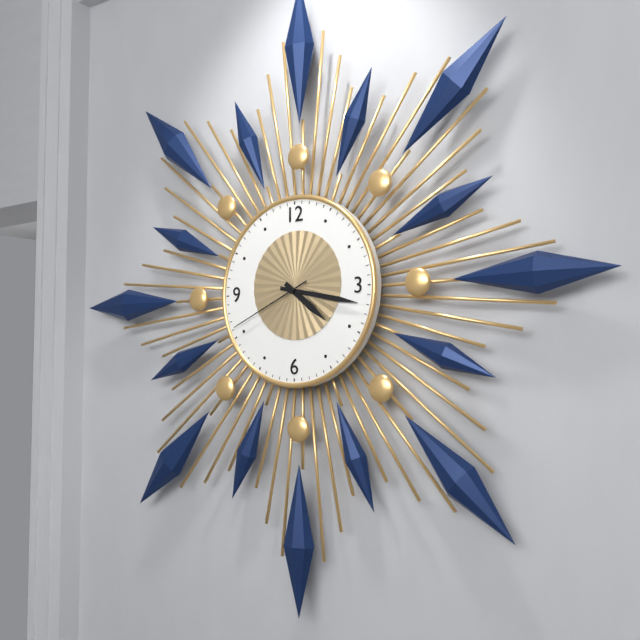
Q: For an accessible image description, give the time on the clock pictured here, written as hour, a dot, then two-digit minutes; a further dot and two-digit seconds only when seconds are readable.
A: 4.17.41
